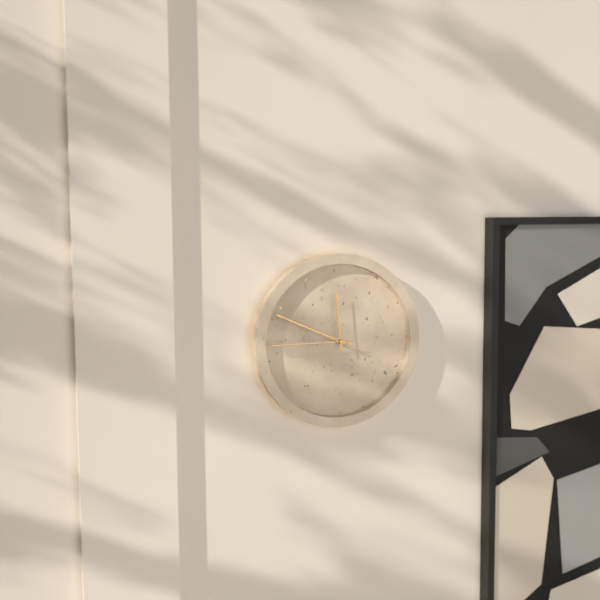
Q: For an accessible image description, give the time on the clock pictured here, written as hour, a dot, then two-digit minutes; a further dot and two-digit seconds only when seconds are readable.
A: 11.49.45
